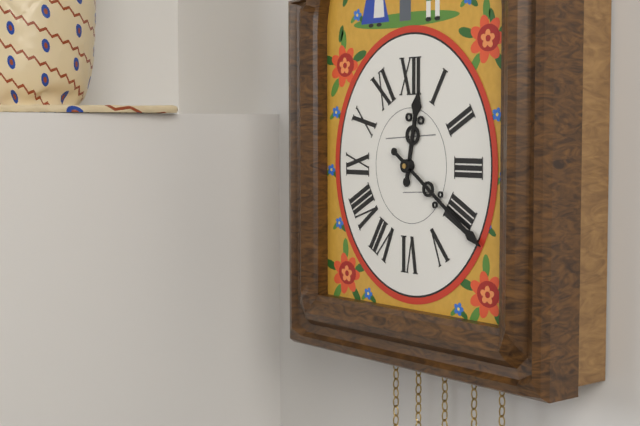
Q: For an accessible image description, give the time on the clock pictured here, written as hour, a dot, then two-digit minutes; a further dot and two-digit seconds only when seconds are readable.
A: 12.21
